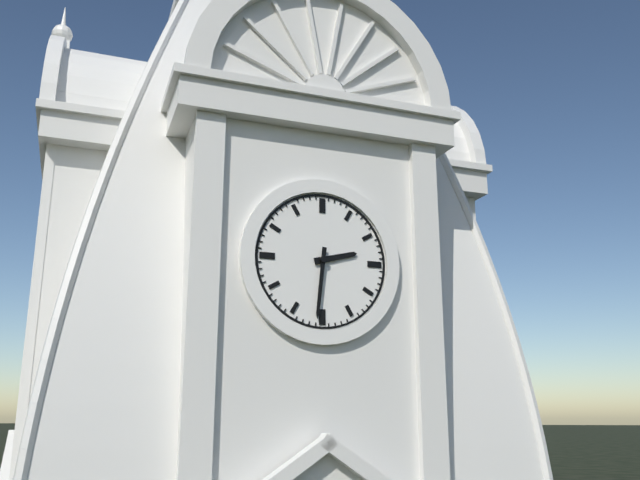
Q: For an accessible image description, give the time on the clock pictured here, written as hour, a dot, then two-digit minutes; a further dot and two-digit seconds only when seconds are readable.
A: 2.31
